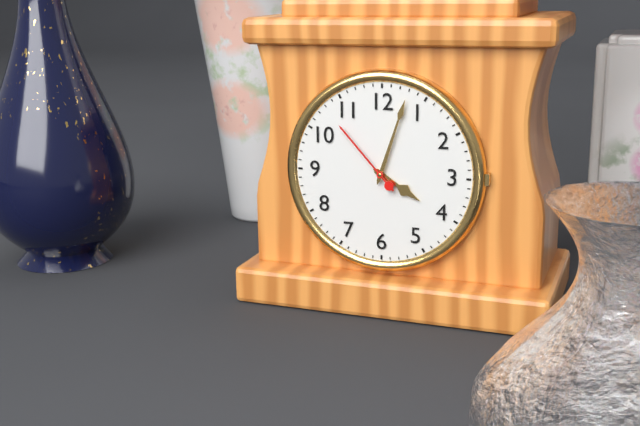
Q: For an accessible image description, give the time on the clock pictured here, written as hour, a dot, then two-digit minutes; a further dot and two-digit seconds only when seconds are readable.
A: 4.03.53
